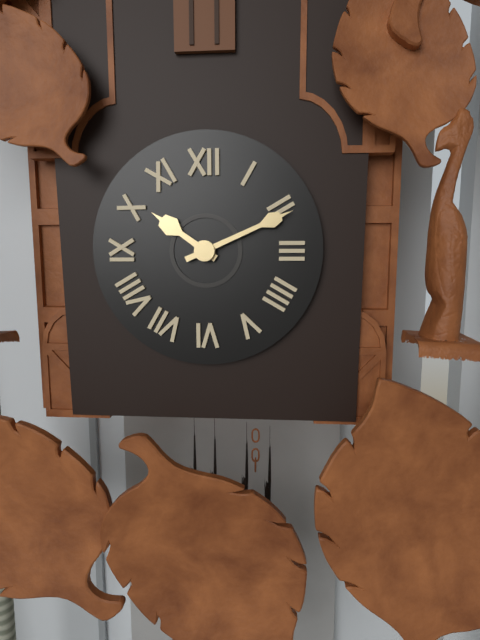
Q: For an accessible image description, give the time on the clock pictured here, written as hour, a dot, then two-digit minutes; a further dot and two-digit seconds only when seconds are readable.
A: 10.11
